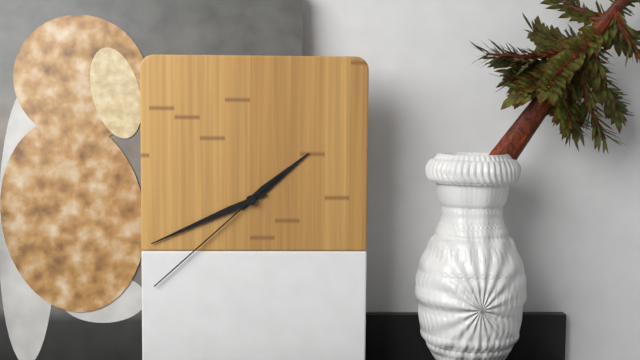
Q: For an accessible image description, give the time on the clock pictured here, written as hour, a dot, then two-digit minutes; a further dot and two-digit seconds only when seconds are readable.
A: 1.41.38
